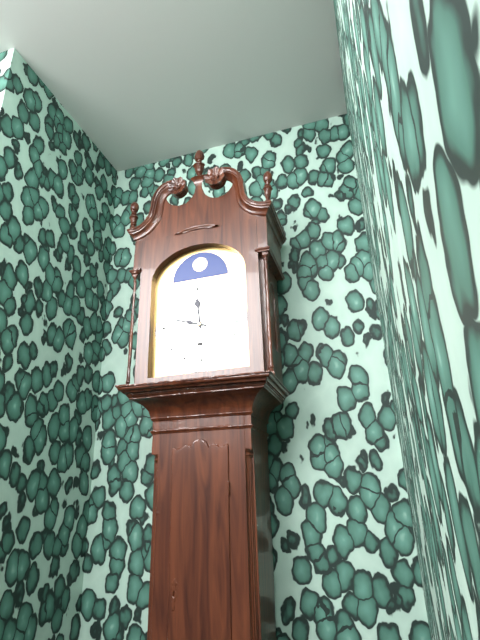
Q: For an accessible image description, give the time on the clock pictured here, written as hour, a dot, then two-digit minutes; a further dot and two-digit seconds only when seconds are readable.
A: 11.48
